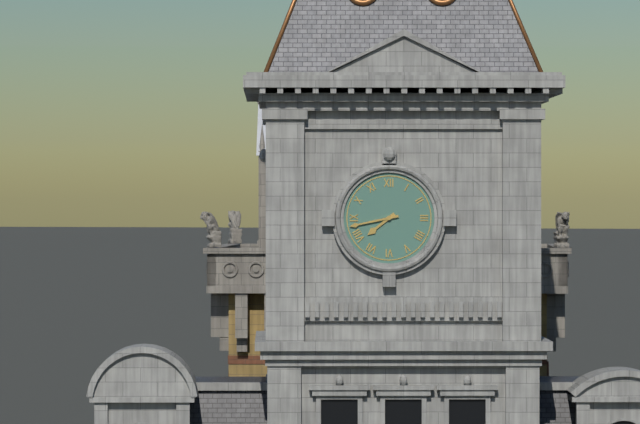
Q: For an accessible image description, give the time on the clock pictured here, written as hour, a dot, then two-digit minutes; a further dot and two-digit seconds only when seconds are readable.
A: 7.43
